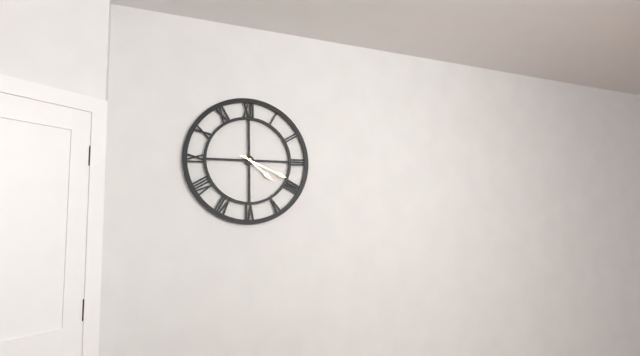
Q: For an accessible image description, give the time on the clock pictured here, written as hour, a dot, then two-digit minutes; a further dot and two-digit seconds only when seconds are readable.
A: 4.19
